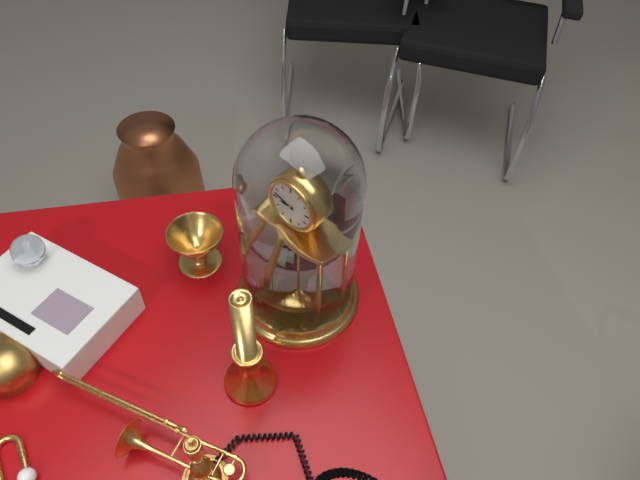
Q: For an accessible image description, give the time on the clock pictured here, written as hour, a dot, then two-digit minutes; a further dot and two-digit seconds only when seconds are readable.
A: 8.48
